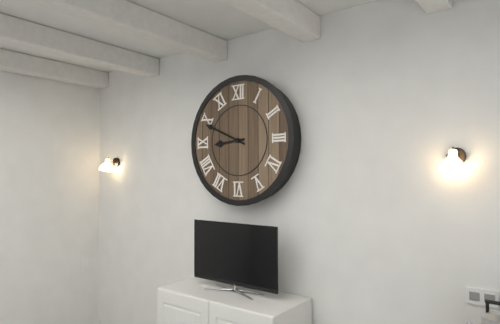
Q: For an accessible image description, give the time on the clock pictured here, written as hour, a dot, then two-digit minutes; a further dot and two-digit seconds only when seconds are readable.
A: 8.49
